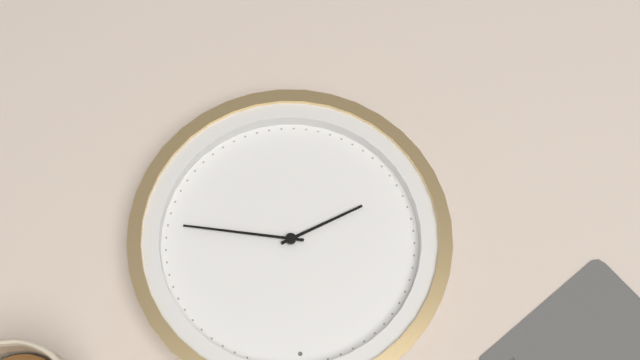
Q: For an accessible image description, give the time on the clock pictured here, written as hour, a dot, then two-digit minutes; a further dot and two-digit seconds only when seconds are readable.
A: 8.17
